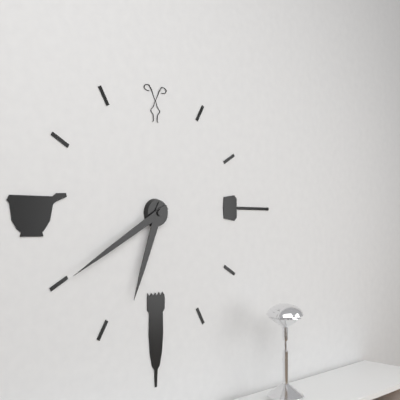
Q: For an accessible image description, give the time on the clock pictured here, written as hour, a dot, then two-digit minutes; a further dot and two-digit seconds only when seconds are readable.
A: 6.40
